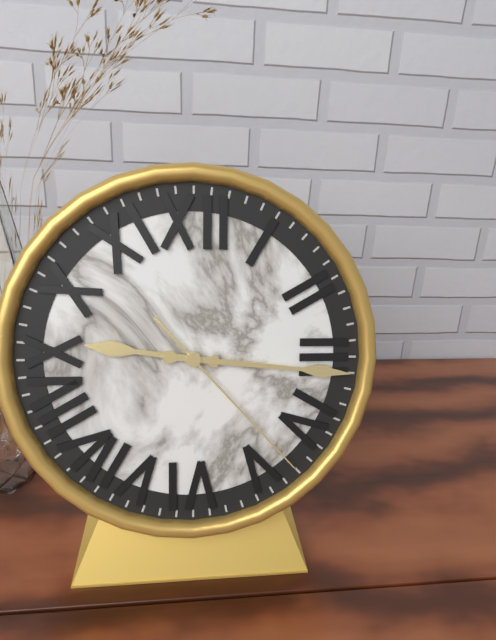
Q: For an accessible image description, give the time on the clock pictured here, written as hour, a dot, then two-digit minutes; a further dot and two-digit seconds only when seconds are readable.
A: 9.16.23
